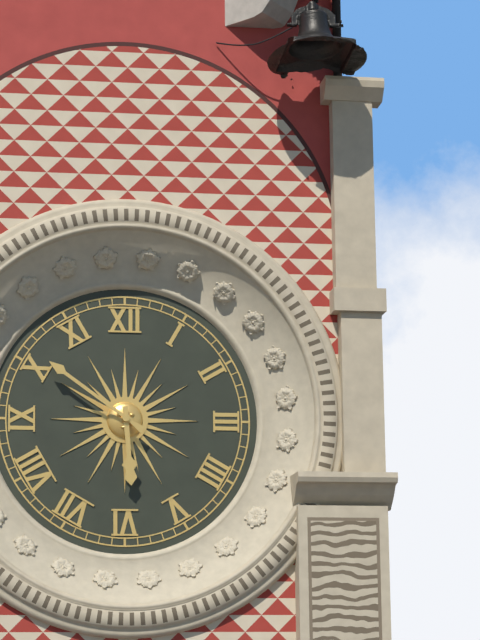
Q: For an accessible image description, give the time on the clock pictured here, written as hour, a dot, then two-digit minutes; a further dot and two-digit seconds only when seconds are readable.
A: 5.51
